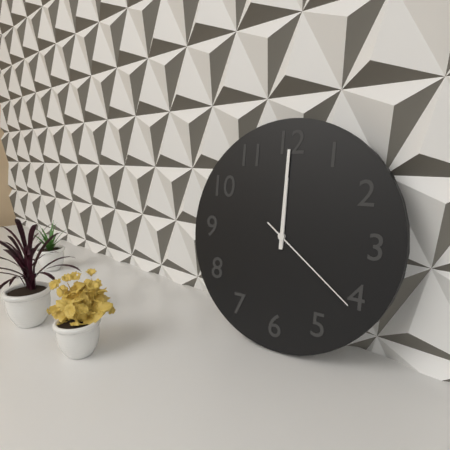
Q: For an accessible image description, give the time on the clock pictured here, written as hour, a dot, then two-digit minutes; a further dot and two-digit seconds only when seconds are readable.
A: 12.00.21
